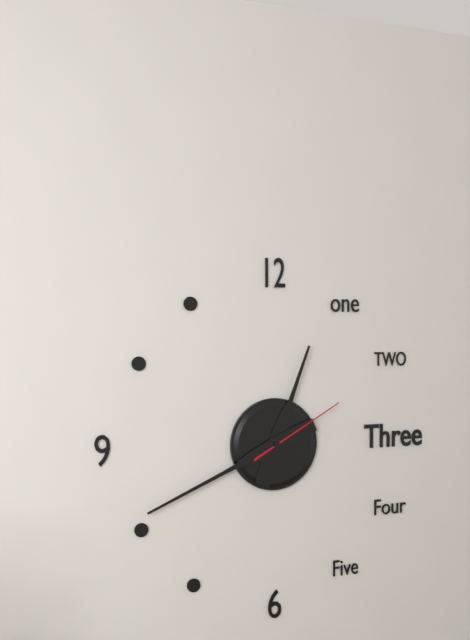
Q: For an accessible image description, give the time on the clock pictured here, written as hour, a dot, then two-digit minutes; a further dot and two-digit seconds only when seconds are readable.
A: 12.41.10
